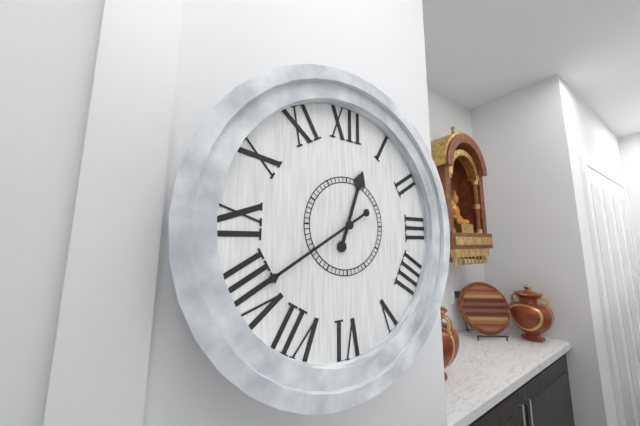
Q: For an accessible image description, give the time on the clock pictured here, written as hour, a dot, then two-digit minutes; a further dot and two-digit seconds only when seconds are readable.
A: 12.40
